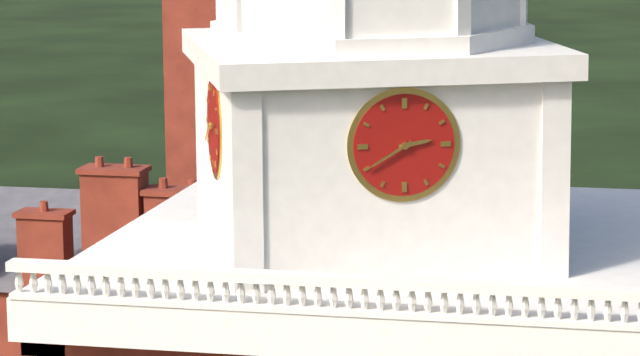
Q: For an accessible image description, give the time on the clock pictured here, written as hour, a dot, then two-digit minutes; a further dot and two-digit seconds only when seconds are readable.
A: 2.40
